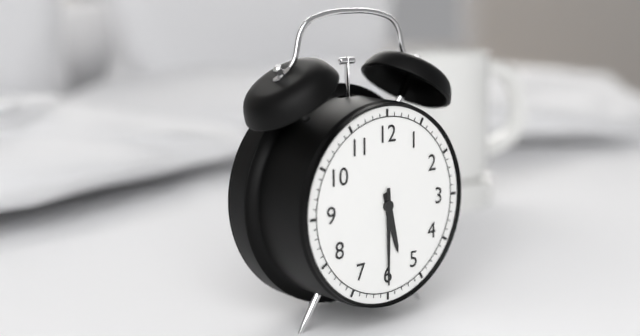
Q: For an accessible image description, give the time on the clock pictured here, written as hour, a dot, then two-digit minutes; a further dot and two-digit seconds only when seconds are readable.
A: 5.30
